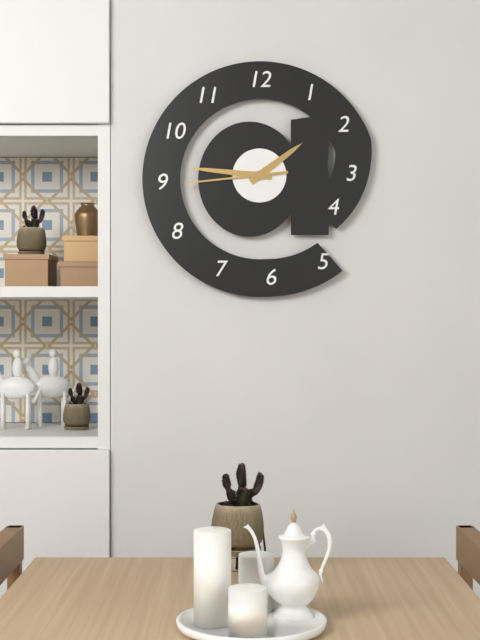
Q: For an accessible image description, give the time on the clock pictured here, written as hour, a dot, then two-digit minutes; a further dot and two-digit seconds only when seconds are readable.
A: 1.46.44
